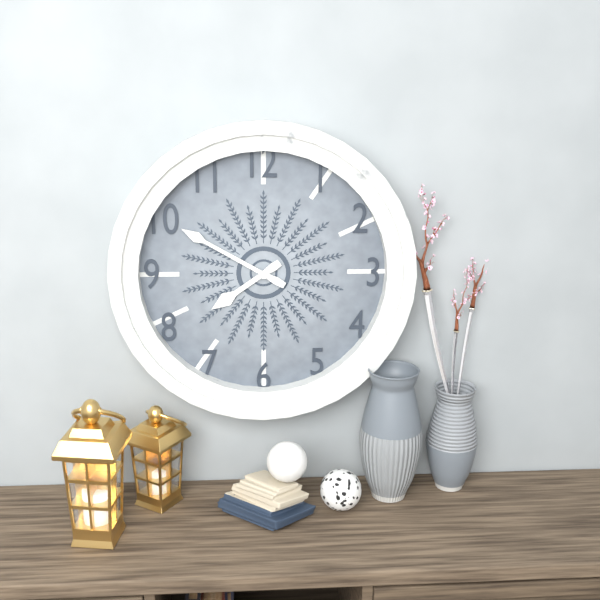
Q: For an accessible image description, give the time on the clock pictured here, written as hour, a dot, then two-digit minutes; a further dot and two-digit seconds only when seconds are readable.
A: 7.50
